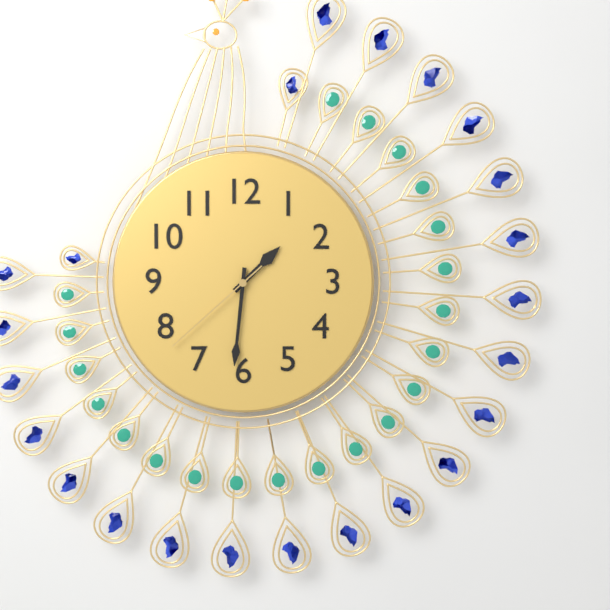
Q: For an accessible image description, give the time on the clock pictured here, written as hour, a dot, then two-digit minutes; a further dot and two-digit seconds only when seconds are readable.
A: 1.31.38
